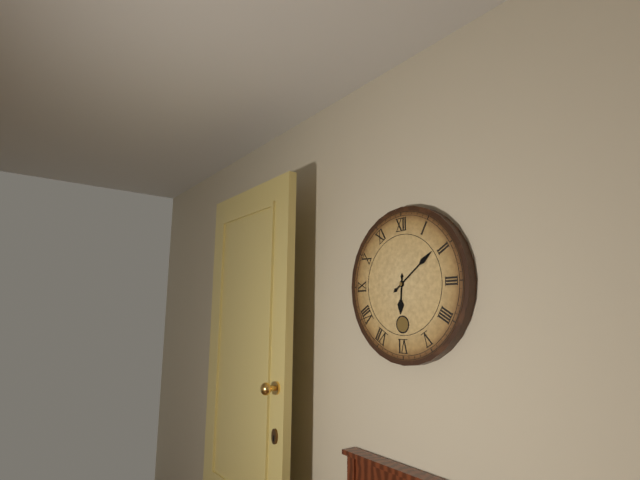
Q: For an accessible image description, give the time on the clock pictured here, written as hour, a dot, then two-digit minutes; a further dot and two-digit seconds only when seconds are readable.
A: 6.09
